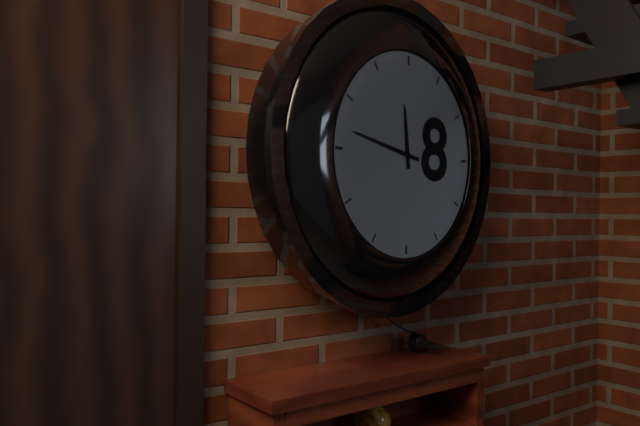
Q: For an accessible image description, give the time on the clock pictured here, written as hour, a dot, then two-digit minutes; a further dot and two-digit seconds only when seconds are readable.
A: 11.47
